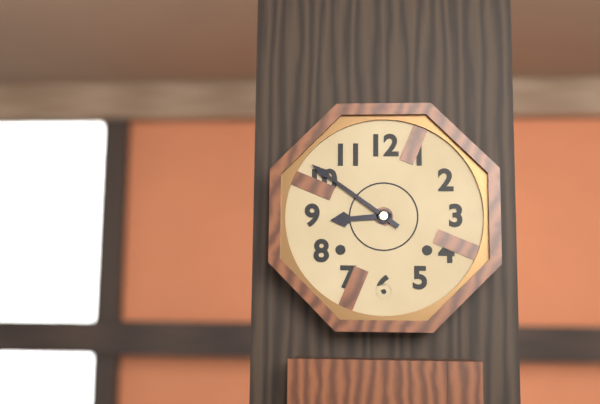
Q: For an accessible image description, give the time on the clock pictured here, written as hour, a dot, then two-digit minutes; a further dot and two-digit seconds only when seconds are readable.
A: 8.51
